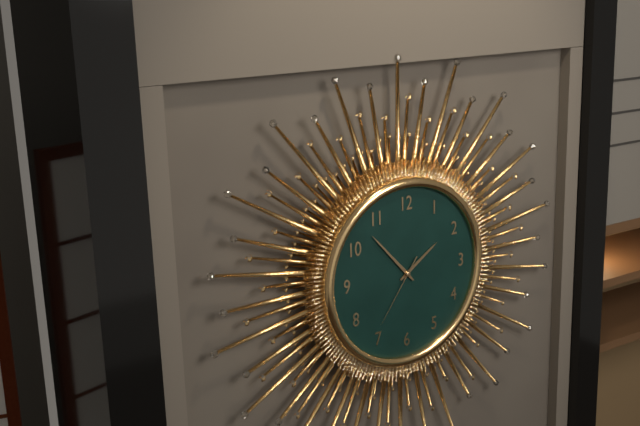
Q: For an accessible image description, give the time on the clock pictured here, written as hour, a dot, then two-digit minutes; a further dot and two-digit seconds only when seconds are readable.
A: 1.53.36
